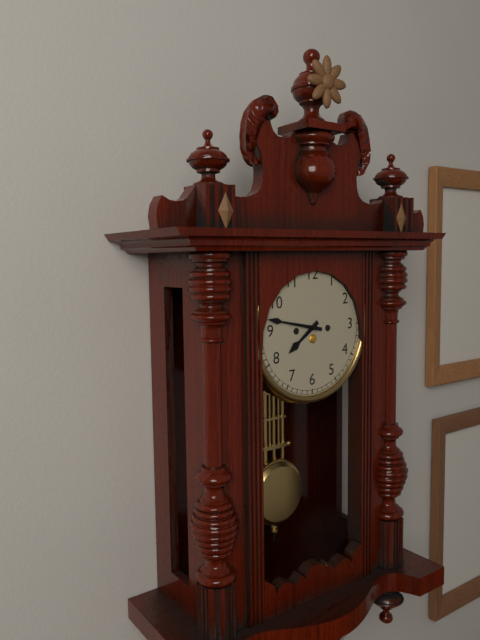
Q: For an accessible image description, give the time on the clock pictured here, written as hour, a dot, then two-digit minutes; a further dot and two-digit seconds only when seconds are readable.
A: 7.47
